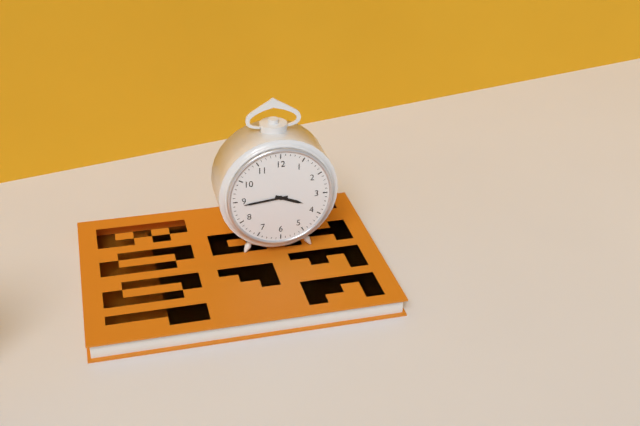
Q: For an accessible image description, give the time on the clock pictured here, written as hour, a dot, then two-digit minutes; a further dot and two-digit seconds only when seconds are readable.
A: 3.44
